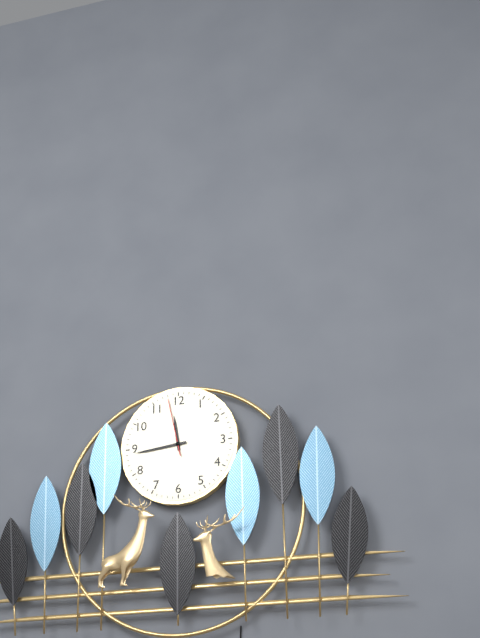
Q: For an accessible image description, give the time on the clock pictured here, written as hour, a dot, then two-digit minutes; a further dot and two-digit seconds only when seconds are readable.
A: 11.44.58
